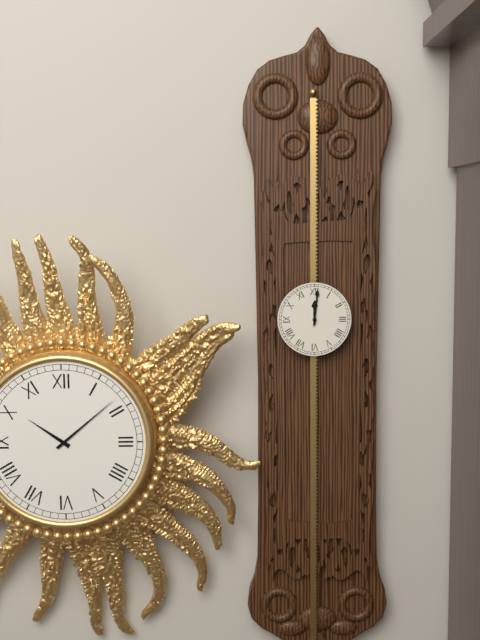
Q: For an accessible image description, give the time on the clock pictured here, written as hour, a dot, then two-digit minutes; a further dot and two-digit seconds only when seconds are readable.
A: 12.01
